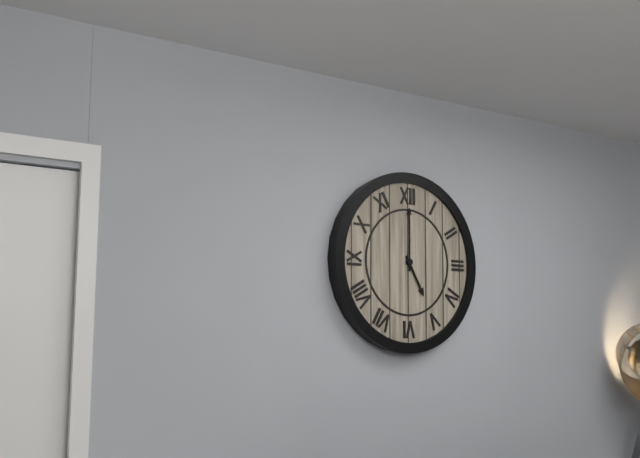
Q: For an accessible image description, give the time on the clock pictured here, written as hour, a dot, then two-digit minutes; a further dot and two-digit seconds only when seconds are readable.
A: 5.00
